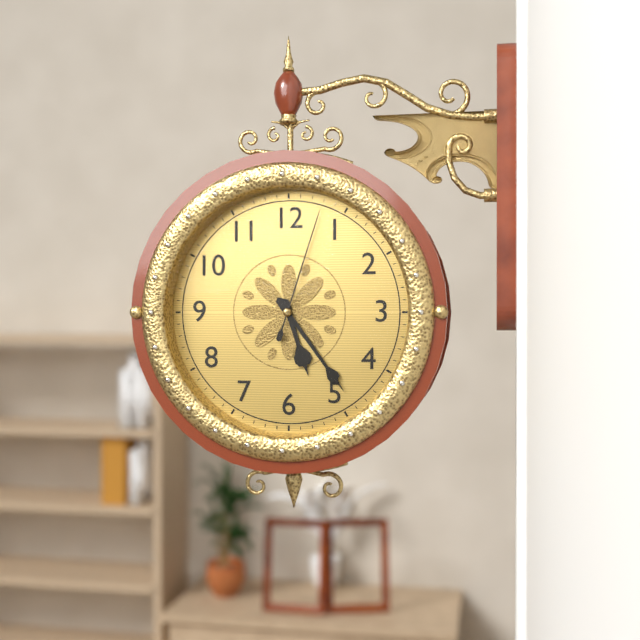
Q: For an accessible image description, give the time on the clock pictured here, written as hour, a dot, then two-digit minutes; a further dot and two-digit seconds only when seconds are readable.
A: 5.24.03
